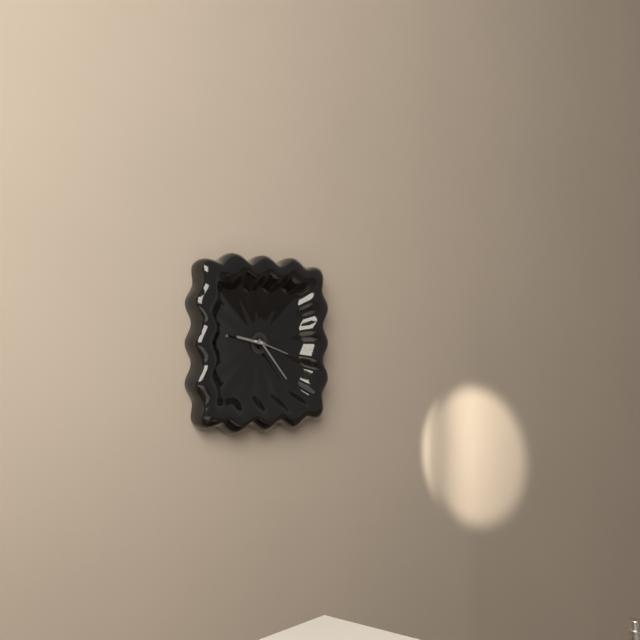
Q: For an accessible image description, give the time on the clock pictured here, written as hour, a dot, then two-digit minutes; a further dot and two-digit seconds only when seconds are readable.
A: 9.23
